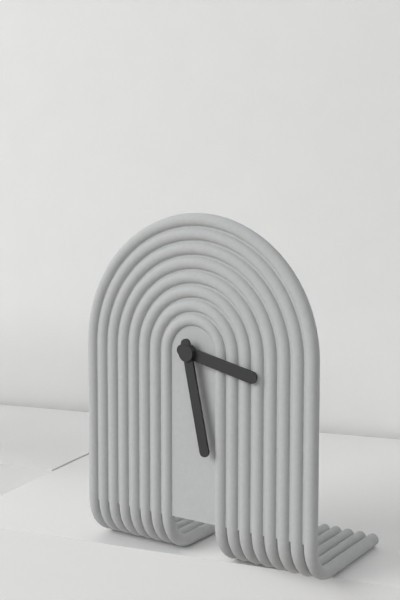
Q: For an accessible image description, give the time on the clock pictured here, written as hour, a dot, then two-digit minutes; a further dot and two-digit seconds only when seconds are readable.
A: 3.28
